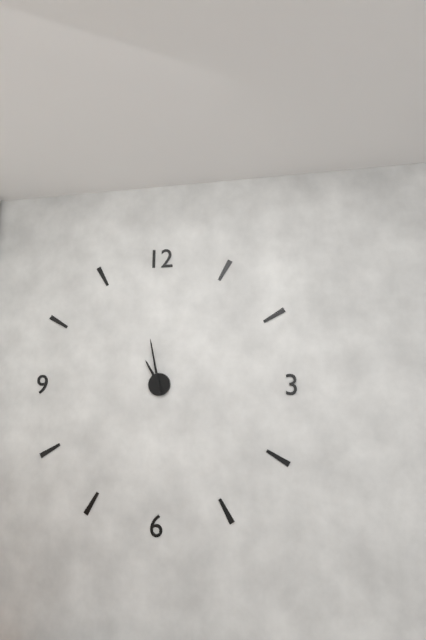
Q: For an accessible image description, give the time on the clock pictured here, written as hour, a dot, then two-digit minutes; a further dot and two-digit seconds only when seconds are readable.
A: 10.58
